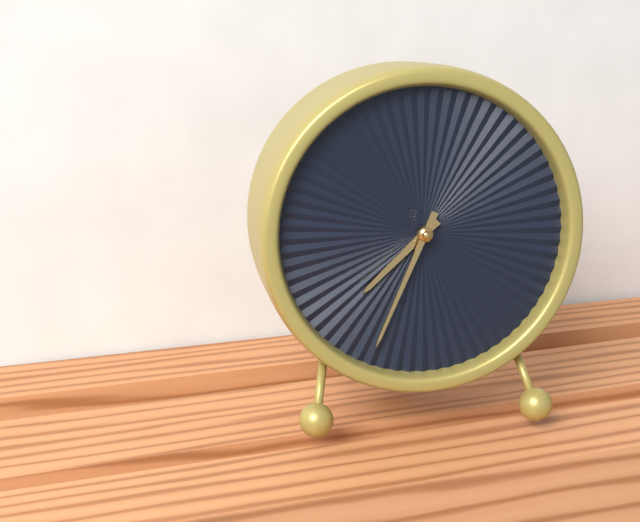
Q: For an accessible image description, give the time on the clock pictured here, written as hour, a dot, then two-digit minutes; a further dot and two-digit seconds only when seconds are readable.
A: 7.34
